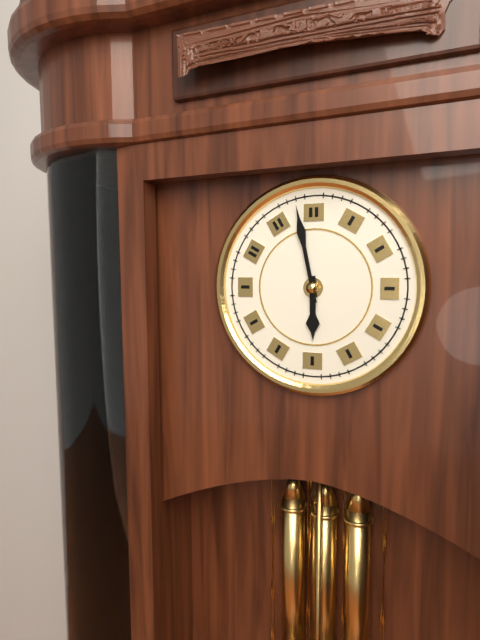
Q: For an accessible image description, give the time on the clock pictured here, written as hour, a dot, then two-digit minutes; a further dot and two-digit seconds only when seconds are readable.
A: 5.58
